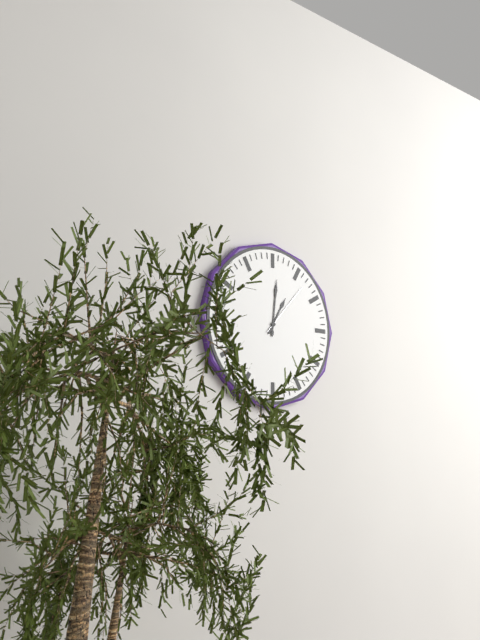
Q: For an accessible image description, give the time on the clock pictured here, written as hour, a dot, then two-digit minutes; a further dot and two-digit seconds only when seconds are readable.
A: 1.01.07
